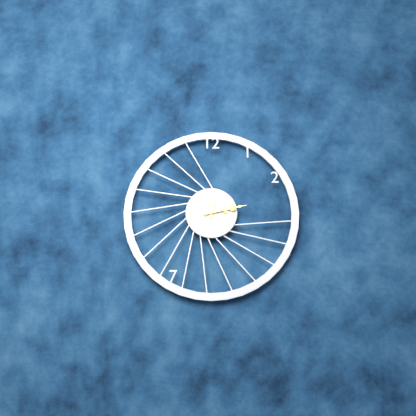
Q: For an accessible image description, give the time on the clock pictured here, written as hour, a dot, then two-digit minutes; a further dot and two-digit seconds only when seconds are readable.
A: 12.13
